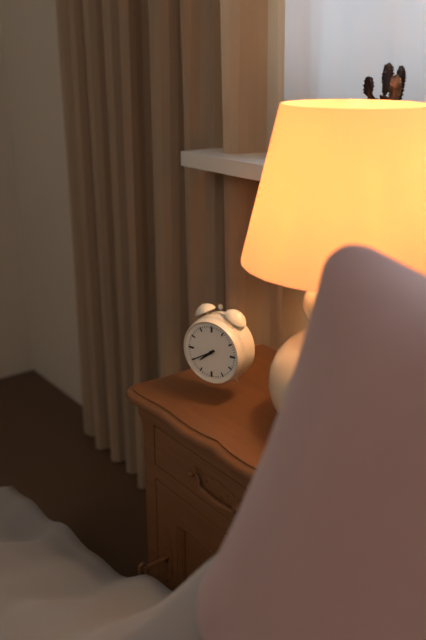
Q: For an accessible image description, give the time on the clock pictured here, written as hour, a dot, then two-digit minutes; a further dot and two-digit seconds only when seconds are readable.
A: 7.40
